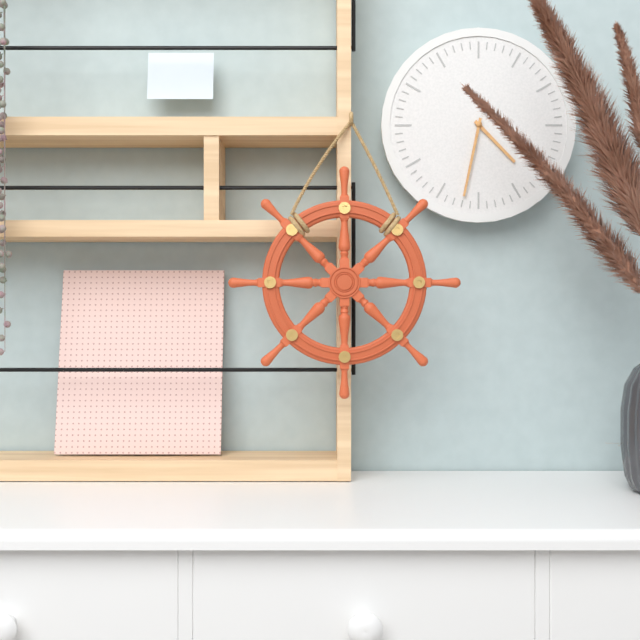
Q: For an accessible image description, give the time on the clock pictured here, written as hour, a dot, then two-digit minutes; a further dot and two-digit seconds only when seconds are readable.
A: 4.32
